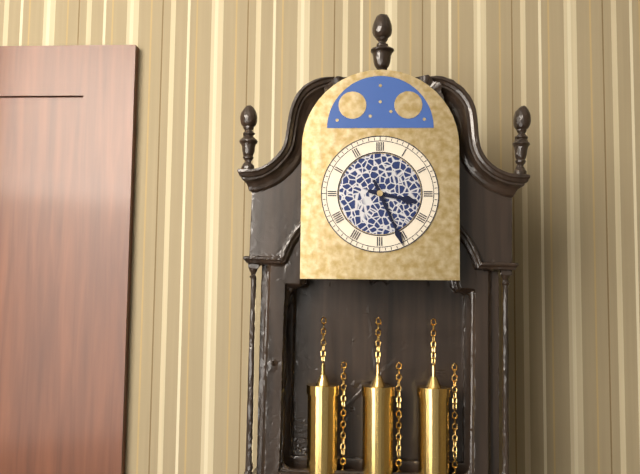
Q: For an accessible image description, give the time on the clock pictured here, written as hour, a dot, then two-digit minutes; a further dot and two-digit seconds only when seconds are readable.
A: 3.26
